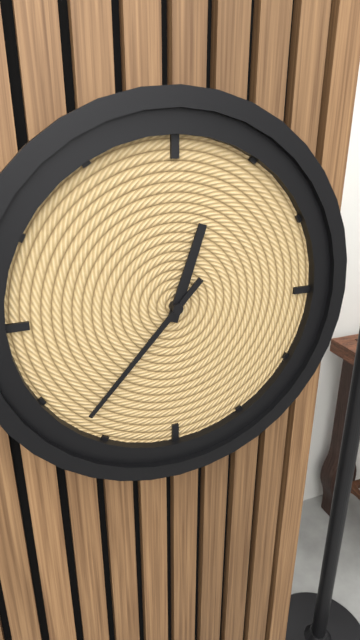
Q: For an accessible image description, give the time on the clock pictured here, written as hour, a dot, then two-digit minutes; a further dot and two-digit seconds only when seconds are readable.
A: 12.37
